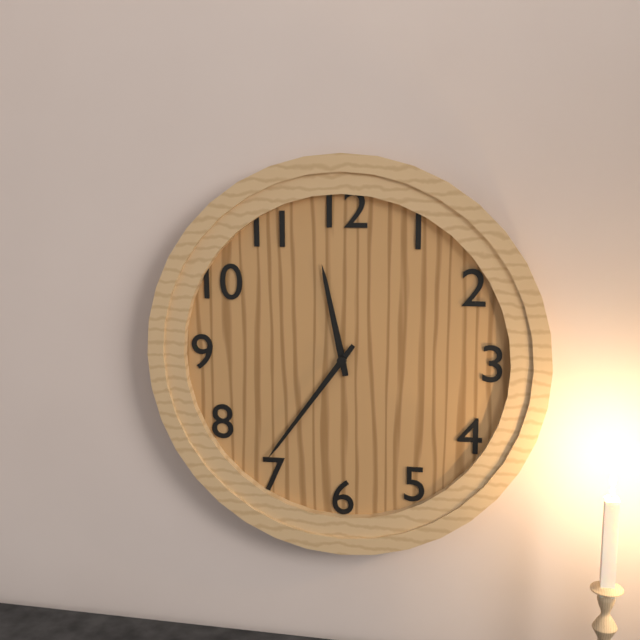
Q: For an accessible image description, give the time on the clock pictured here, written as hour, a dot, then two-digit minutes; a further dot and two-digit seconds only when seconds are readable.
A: 11.36
